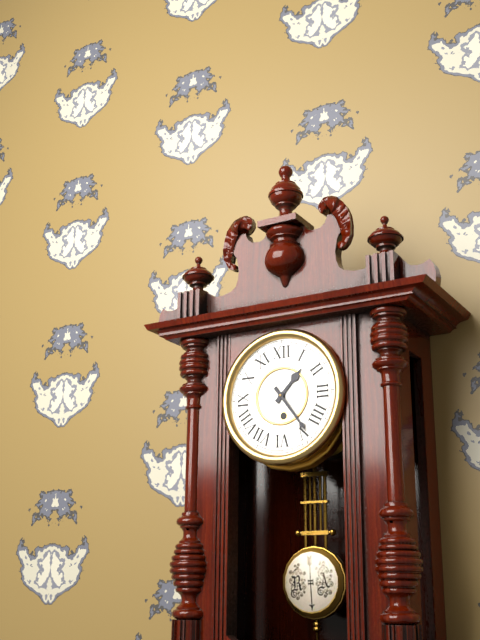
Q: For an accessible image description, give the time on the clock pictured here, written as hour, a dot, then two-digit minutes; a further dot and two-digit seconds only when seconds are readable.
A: 1.24
